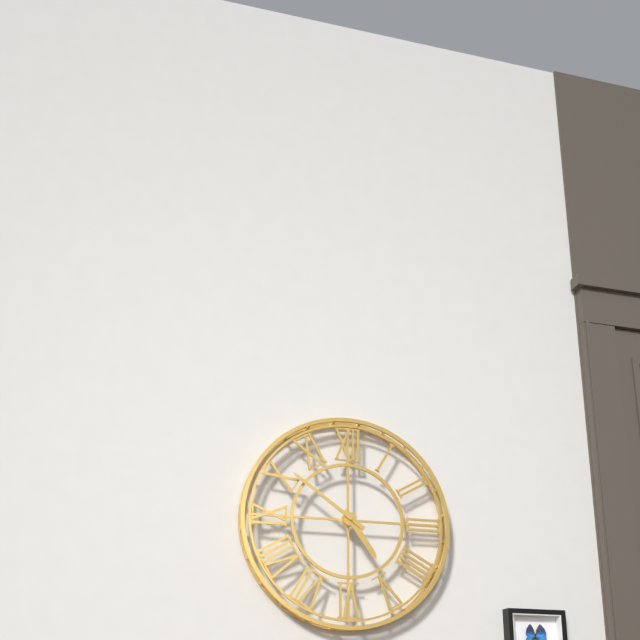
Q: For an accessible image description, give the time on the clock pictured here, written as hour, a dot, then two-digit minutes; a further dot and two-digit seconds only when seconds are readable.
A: 4.51
